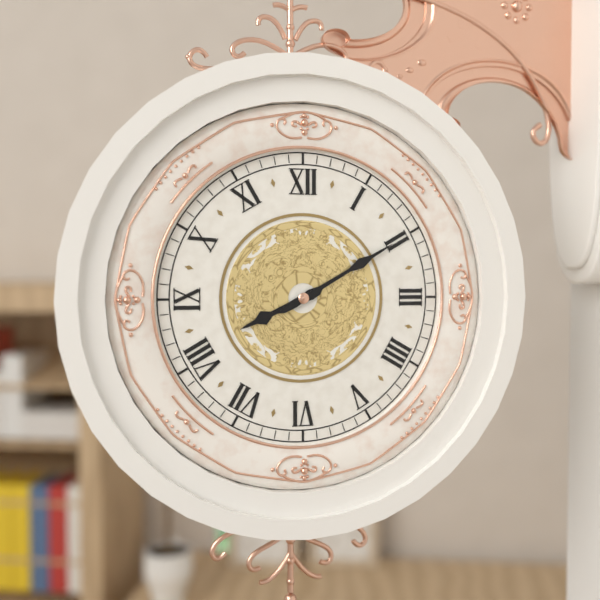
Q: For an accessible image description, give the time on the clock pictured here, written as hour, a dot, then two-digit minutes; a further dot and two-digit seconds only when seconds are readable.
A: 8.10
